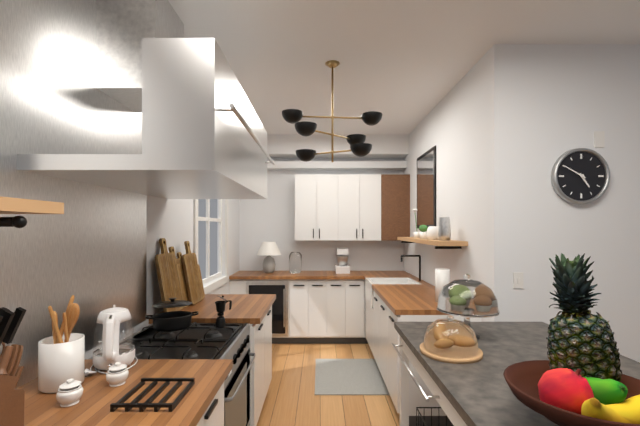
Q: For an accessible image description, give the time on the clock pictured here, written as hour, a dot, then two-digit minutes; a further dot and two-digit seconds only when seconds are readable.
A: 4.50
